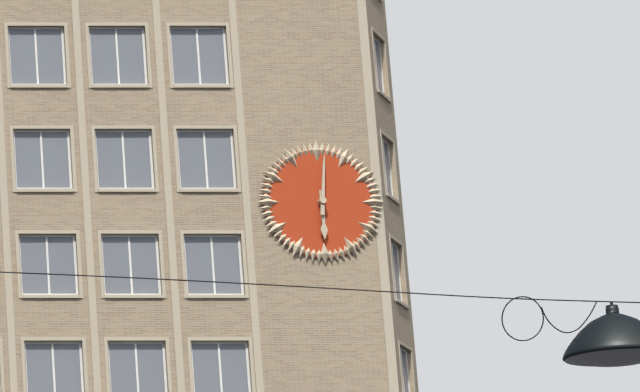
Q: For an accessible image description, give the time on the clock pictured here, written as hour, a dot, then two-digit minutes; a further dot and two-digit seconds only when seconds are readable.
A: 6.01
